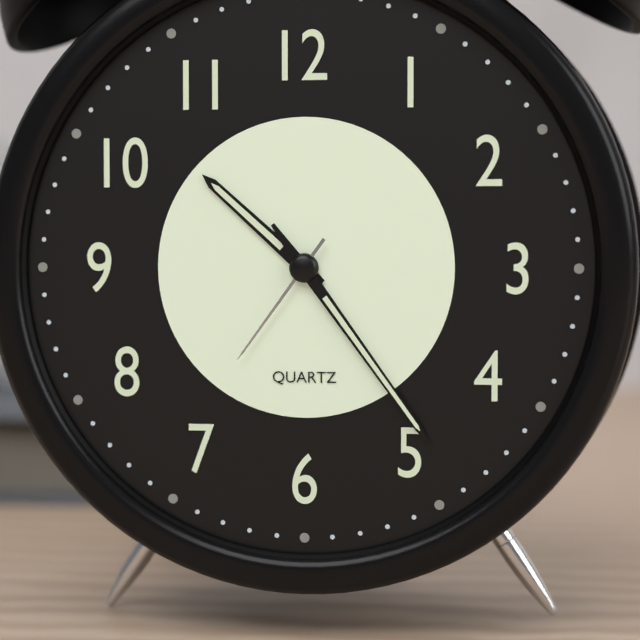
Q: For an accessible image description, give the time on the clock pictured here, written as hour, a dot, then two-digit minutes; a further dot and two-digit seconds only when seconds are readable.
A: 10.24.36
